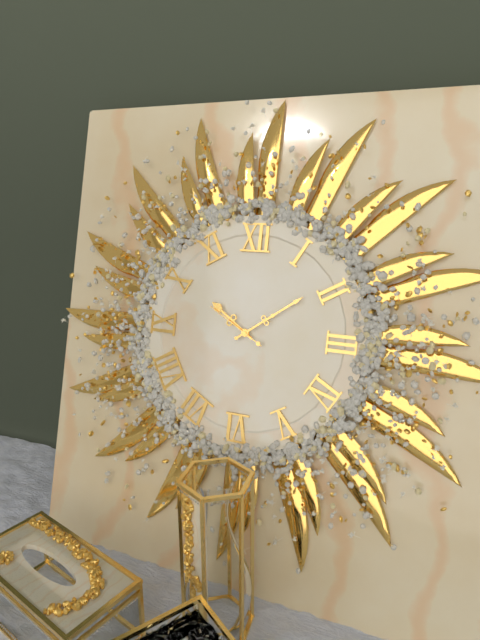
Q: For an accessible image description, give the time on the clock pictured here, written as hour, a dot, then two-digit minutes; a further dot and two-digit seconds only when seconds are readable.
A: 10.09.50
